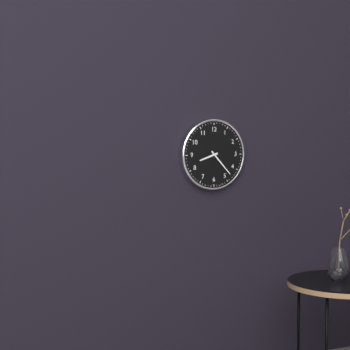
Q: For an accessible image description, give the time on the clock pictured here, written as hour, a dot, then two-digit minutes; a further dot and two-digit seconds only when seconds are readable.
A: 8.23
